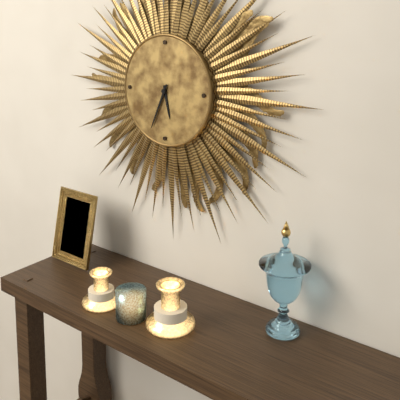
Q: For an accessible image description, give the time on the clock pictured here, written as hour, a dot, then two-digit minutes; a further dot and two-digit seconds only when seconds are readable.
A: 5.34
